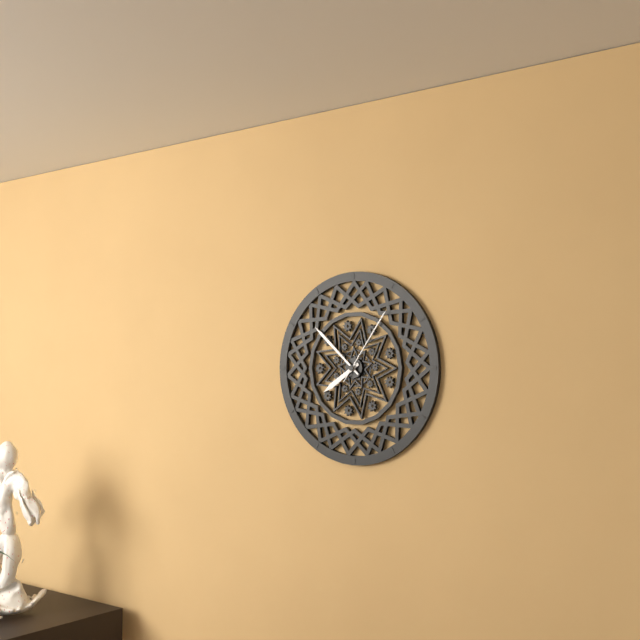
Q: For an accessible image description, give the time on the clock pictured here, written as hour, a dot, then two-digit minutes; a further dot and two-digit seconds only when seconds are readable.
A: 7.52.06
